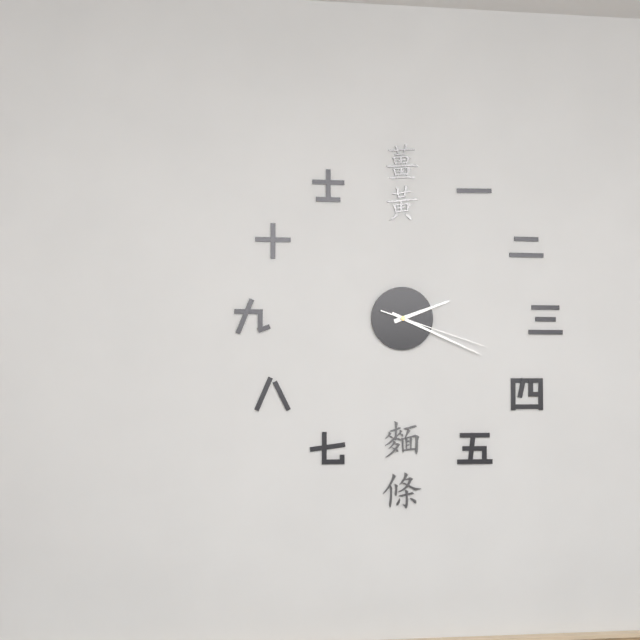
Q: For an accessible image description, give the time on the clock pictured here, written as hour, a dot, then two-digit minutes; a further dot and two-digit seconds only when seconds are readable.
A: 2.19.18
